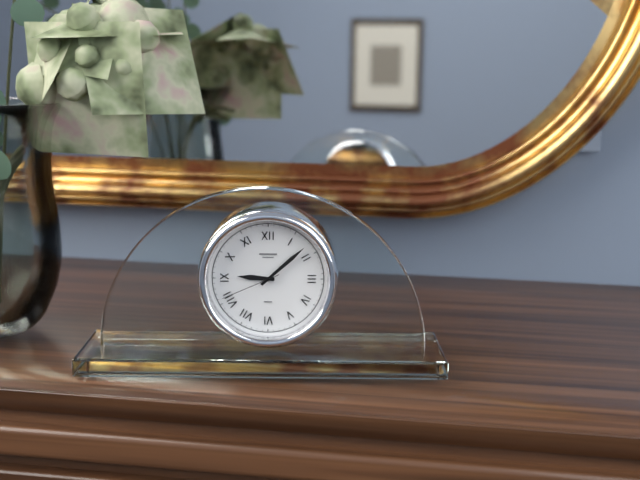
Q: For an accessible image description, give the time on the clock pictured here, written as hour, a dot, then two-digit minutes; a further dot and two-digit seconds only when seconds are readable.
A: 9.08.41
